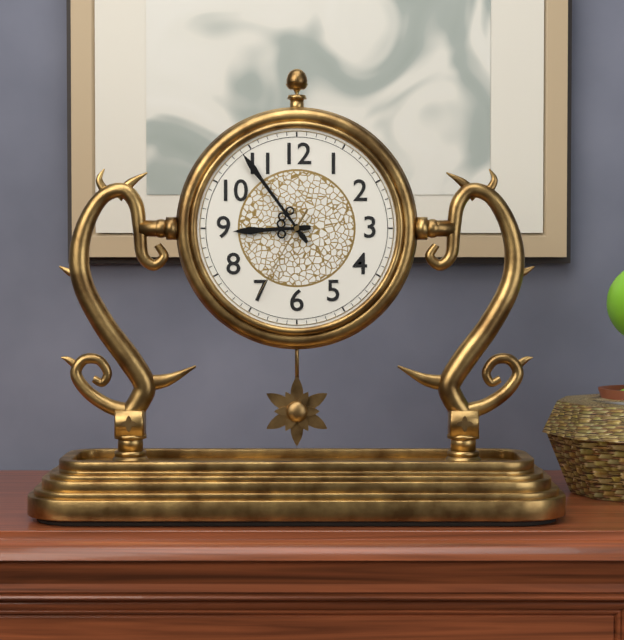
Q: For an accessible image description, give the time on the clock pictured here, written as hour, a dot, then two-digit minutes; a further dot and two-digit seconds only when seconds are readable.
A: 8.54.35
